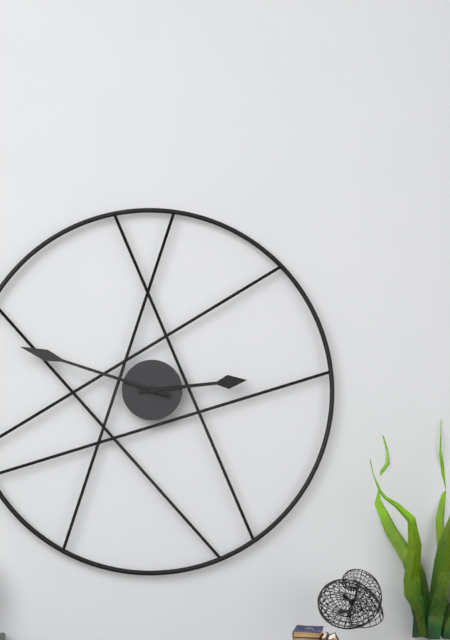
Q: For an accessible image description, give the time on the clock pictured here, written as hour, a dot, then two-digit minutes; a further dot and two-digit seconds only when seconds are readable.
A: 2.48
